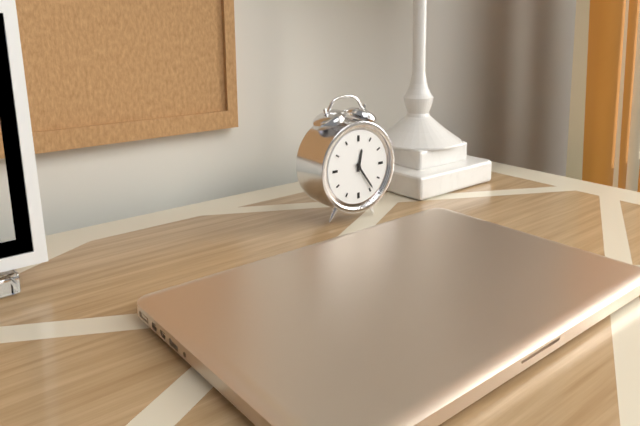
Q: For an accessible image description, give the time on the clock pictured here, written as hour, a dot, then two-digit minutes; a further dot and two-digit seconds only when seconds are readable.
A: 12.24
